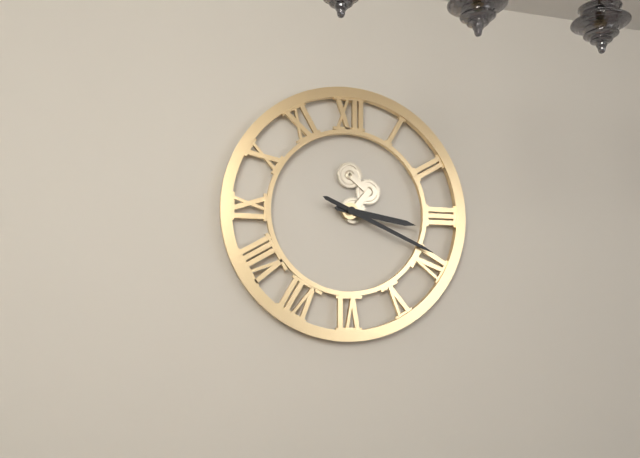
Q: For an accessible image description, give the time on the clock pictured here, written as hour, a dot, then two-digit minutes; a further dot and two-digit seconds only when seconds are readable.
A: 3.19
